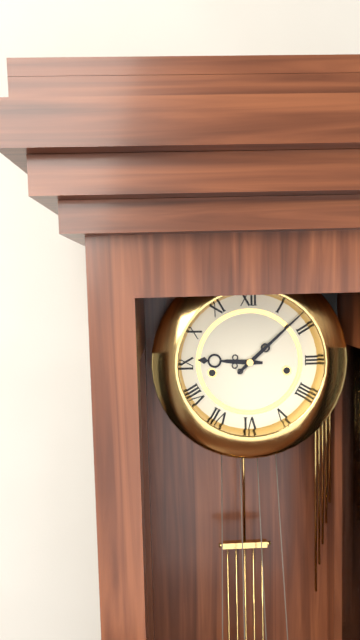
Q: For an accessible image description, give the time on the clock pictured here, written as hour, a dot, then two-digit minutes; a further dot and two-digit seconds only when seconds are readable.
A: 9.08
